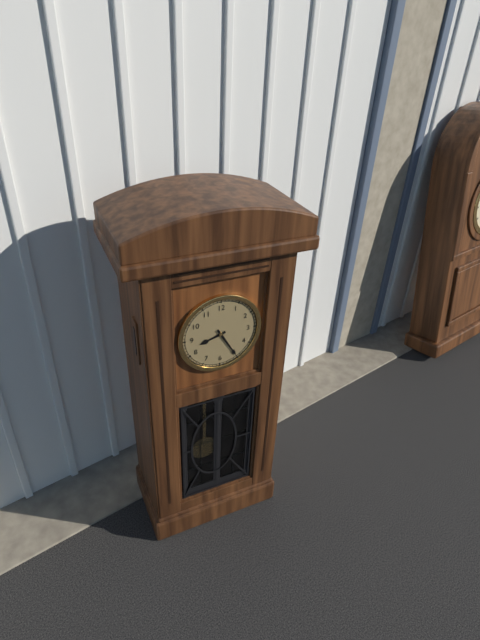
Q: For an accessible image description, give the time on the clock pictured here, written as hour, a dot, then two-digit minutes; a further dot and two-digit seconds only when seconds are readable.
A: 8.25
